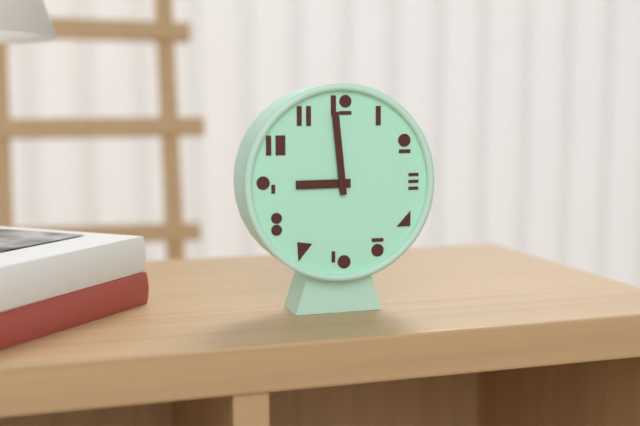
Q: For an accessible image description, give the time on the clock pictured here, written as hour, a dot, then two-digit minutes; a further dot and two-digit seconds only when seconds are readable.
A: 8.59
